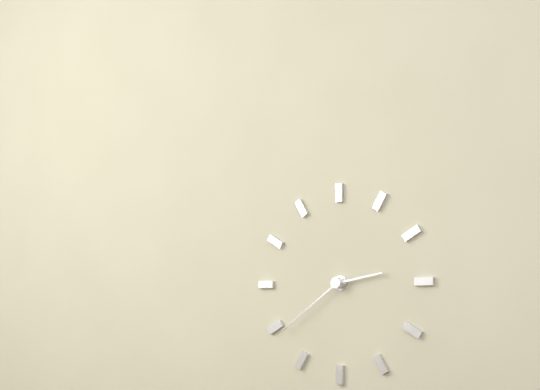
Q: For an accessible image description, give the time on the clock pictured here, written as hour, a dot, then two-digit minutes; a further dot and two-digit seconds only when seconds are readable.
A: 2.39
